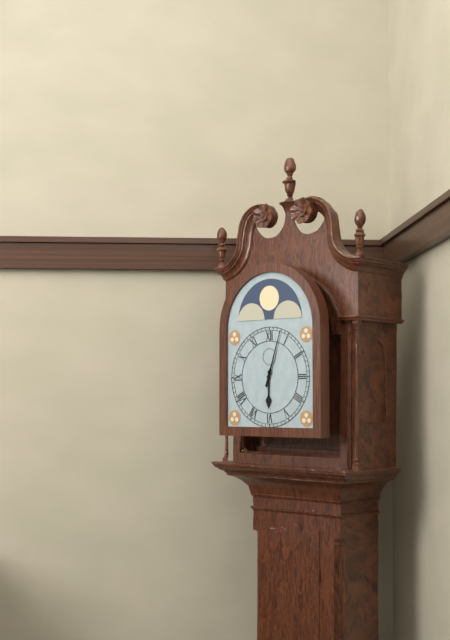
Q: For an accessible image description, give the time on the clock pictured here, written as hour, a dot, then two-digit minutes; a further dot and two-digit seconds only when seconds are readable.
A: 6.03
